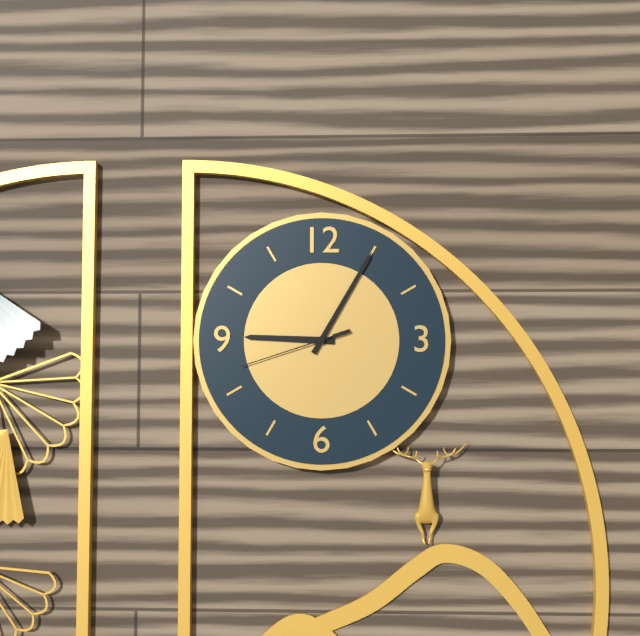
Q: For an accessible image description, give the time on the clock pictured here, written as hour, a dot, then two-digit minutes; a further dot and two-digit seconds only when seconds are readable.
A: 9.05.42
